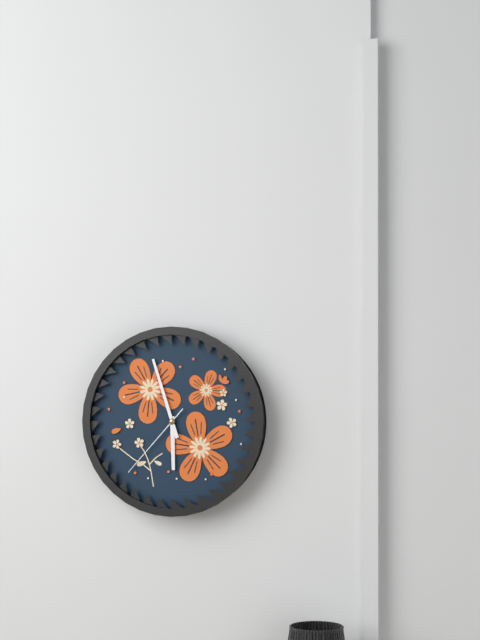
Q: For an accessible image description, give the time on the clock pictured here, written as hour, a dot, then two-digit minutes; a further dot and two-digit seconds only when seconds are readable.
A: 5.57.37
